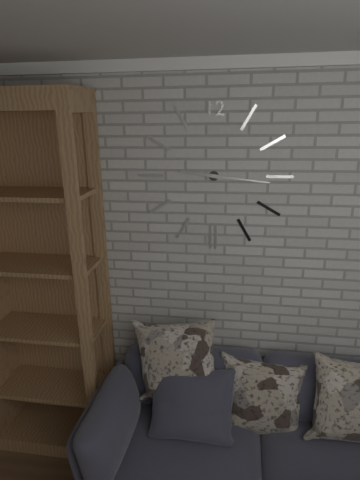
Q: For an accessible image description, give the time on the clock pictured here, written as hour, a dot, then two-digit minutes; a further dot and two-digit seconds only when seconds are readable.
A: 9.16
